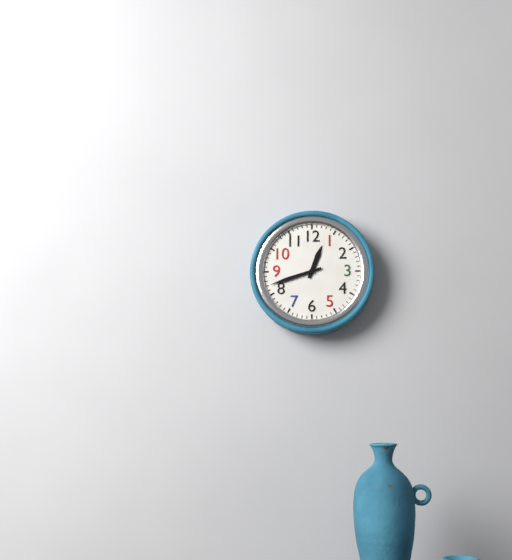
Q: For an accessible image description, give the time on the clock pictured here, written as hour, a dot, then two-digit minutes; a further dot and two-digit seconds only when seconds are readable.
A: 12.42
